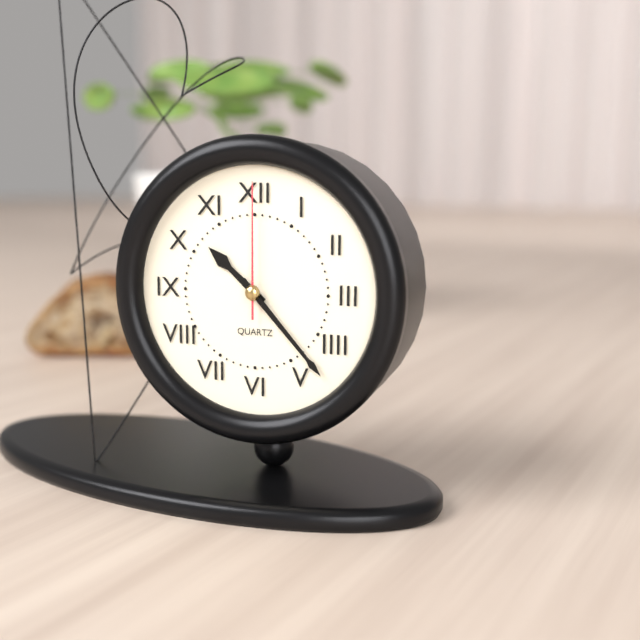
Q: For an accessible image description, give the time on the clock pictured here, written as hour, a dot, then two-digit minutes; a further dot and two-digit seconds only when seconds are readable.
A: 10.23.00
